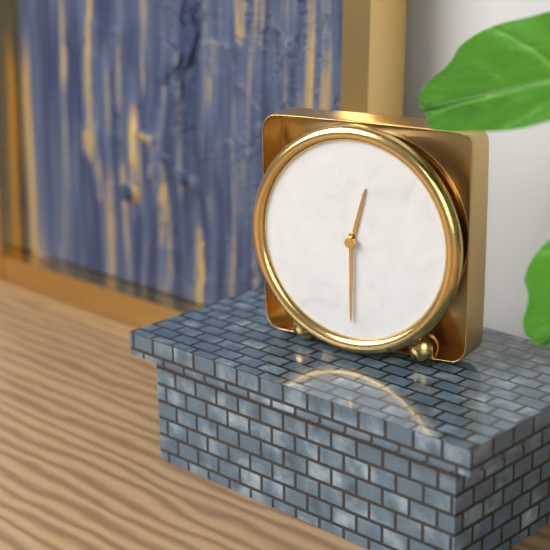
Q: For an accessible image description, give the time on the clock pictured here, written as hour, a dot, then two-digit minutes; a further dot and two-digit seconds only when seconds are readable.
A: 12.30
